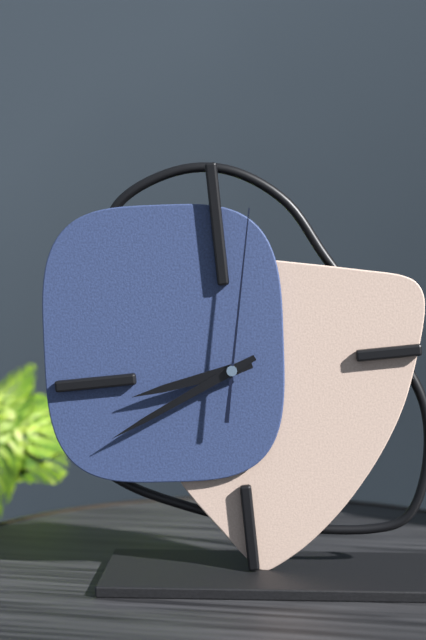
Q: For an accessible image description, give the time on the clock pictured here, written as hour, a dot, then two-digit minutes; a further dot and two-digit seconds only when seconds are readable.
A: 8.41.02
